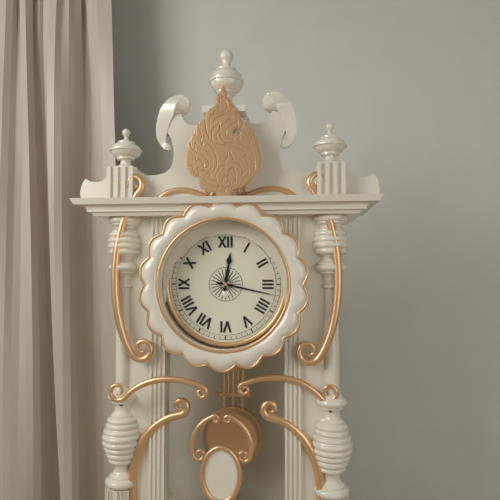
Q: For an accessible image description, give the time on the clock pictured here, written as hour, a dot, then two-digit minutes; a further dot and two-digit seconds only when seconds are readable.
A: 12.17
